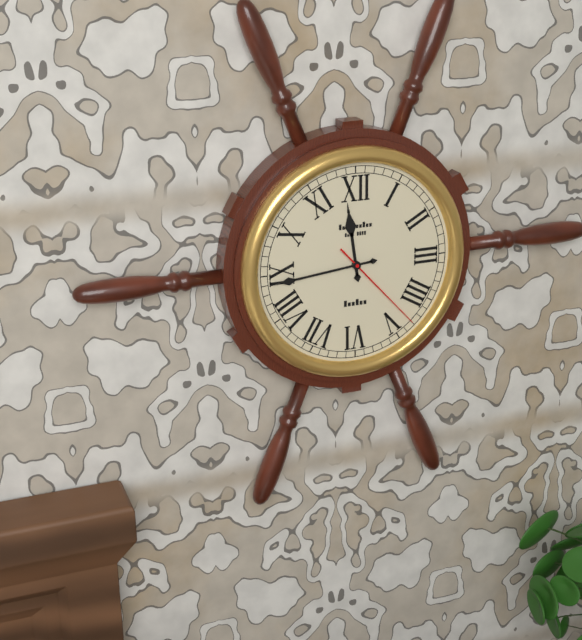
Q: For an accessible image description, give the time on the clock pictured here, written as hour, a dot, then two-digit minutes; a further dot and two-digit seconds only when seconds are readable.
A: 11.44.23
